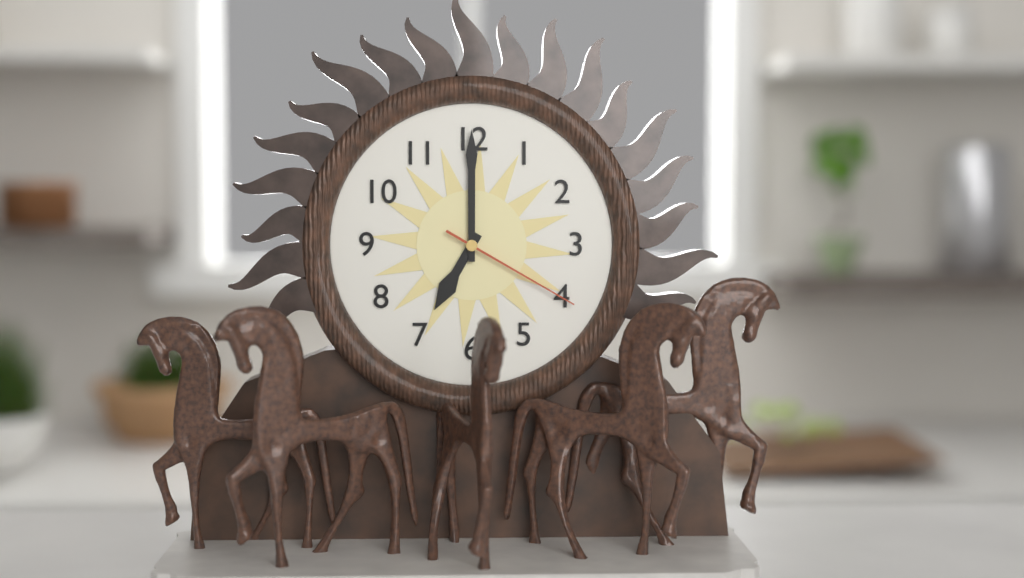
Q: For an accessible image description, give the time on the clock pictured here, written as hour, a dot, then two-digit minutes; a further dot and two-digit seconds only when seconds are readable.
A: 7.00.20
